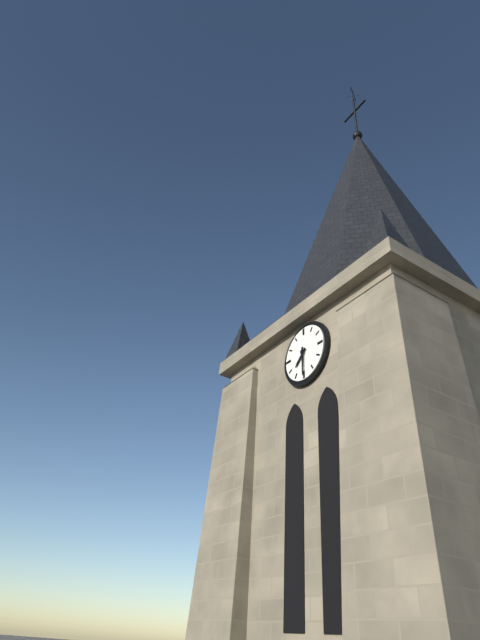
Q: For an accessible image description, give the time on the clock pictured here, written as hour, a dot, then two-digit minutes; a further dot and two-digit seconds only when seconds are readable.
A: 7.30
